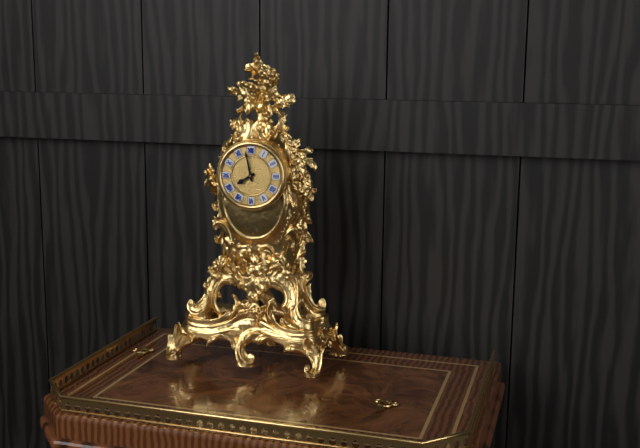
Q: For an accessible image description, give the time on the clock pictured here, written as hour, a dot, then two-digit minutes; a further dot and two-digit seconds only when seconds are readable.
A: 7.58
